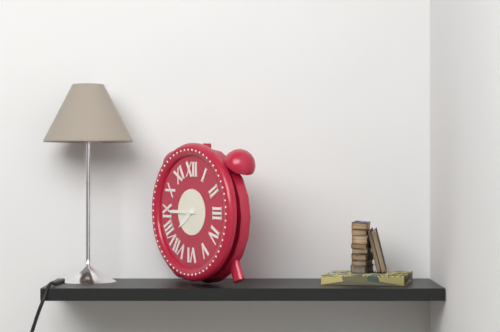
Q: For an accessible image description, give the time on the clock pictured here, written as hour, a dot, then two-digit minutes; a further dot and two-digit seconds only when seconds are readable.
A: 7.45
